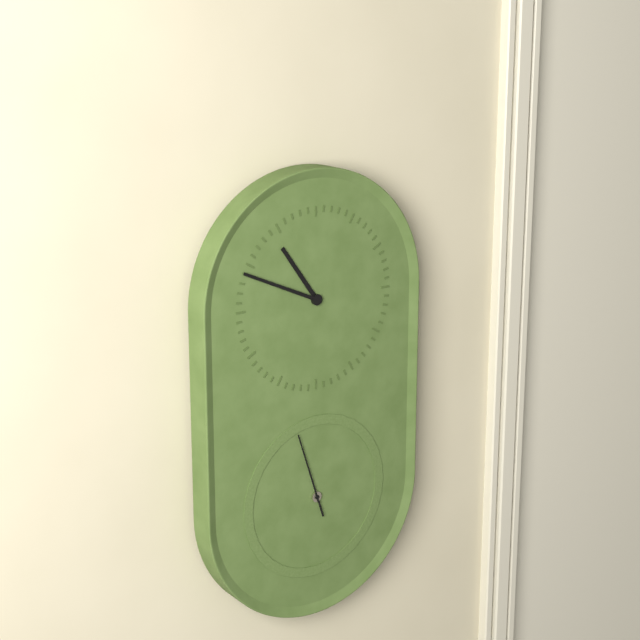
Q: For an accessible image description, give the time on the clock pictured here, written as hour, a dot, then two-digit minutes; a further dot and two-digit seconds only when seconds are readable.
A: 10.49.57
